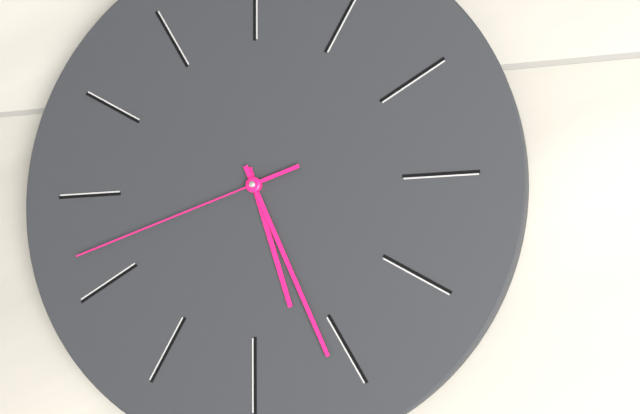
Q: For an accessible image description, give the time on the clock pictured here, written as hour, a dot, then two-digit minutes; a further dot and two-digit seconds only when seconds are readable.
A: 5.26.42
